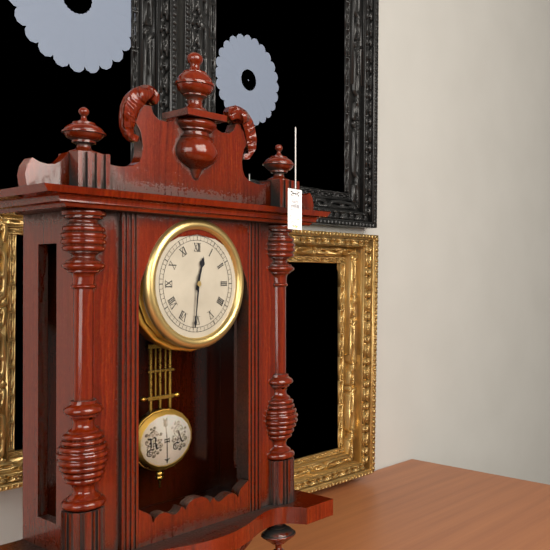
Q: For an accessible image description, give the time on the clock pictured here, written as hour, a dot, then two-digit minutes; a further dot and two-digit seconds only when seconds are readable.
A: 12.31
